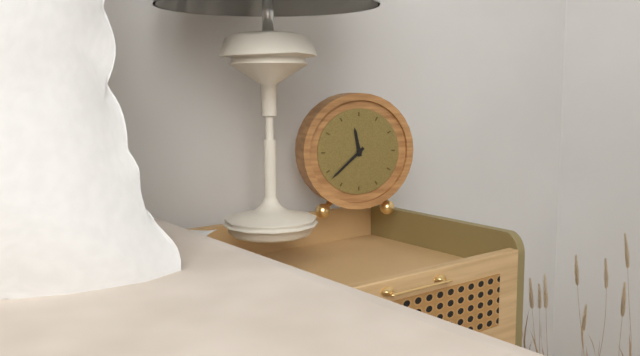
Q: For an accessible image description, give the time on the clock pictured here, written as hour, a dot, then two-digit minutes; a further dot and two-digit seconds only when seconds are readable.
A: 11.38
